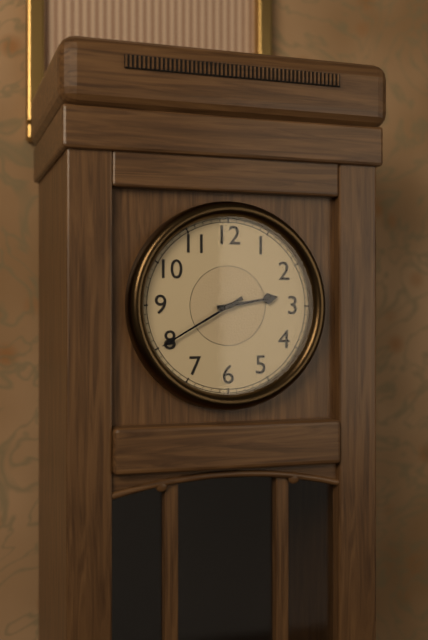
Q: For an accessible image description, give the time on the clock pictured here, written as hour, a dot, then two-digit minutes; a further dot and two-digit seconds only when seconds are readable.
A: 2.40
